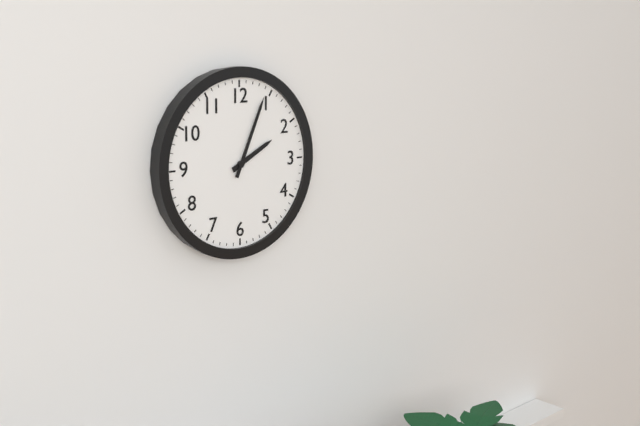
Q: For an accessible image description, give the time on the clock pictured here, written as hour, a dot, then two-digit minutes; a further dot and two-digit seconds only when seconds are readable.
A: 2.04
